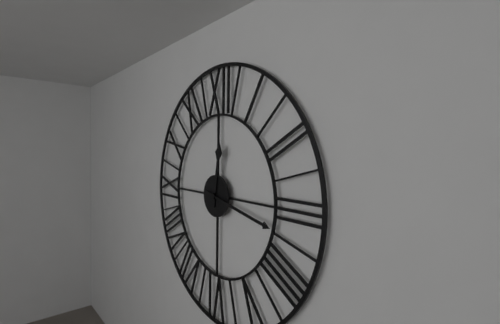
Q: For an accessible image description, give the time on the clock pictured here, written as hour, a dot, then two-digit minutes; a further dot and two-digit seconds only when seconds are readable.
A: 12.17
